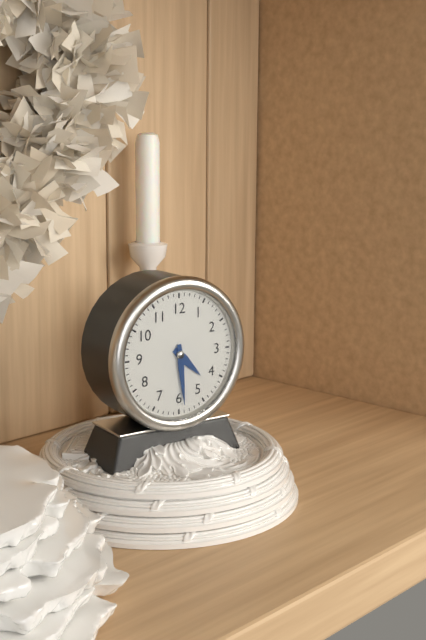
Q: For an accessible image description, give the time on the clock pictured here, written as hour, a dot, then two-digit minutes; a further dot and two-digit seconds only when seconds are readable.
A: 4.29
